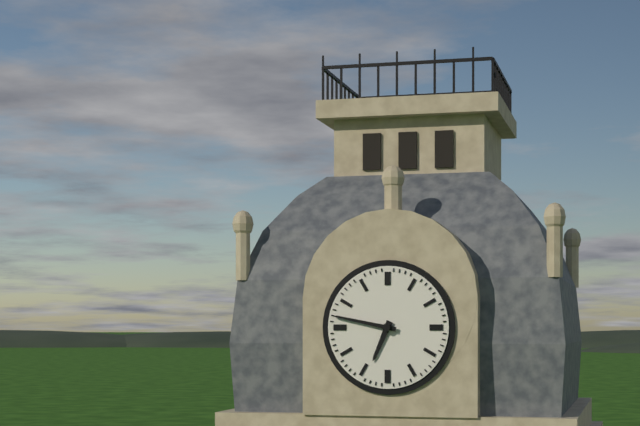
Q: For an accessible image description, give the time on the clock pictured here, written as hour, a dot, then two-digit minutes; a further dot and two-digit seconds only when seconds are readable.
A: 6.47
